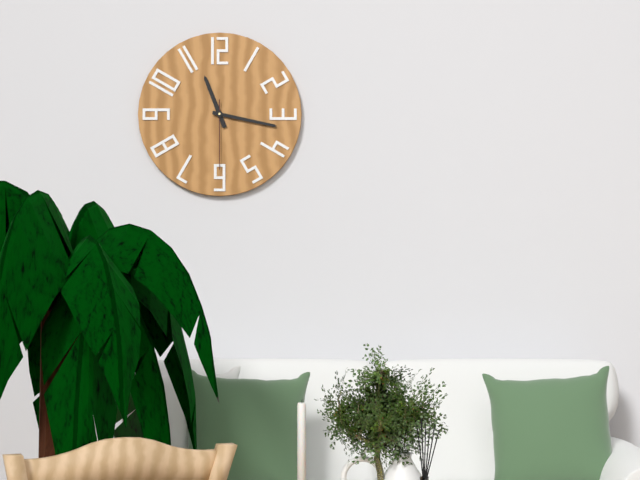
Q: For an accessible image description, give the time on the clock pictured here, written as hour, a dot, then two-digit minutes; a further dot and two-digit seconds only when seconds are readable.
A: 11.17.30
